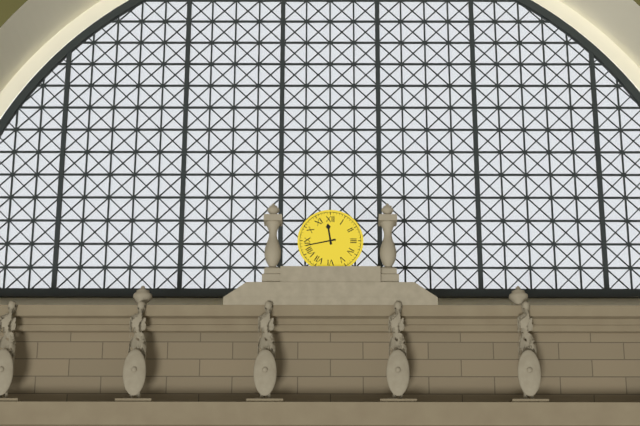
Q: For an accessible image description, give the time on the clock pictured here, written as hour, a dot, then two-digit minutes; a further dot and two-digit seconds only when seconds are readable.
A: 11.43
